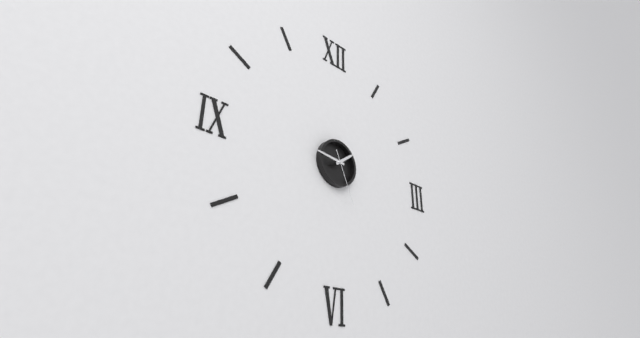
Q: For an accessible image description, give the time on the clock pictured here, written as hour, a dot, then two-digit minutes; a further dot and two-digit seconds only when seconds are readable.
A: 1.46.26
